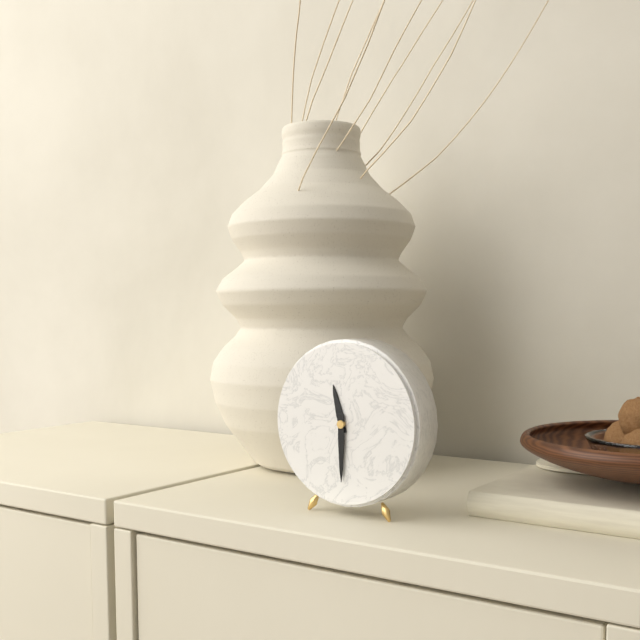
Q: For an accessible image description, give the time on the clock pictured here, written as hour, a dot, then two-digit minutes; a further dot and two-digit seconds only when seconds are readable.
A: 11.30
